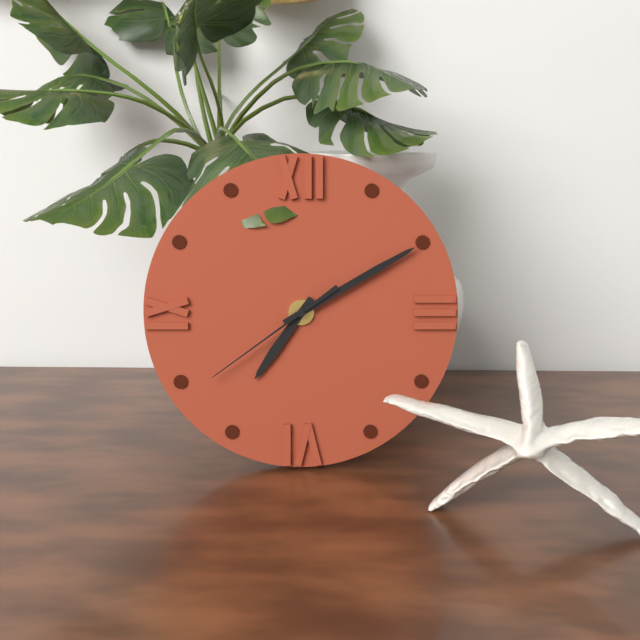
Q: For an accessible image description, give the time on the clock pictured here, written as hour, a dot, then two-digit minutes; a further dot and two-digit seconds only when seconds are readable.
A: 7.10.39
